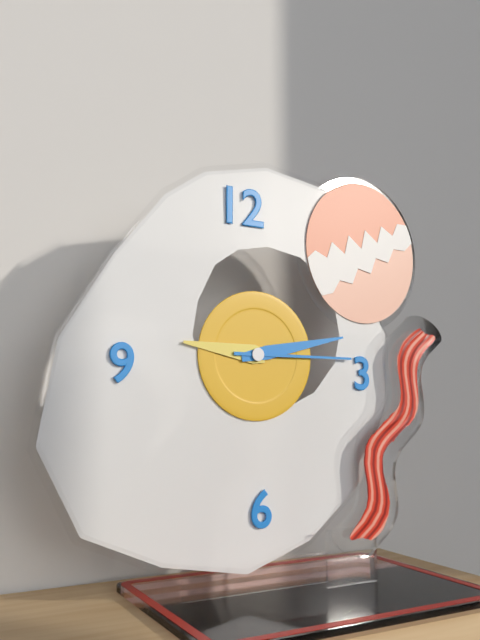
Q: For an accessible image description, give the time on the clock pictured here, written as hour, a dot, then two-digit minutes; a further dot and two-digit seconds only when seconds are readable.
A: 9.13.15
